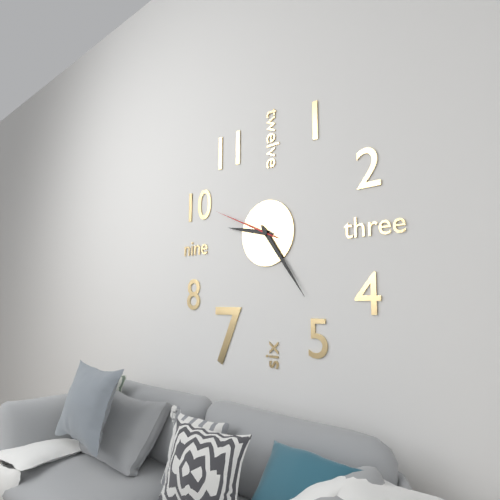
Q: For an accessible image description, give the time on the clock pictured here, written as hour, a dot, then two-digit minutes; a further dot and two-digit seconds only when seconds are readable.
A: 9.24.49
